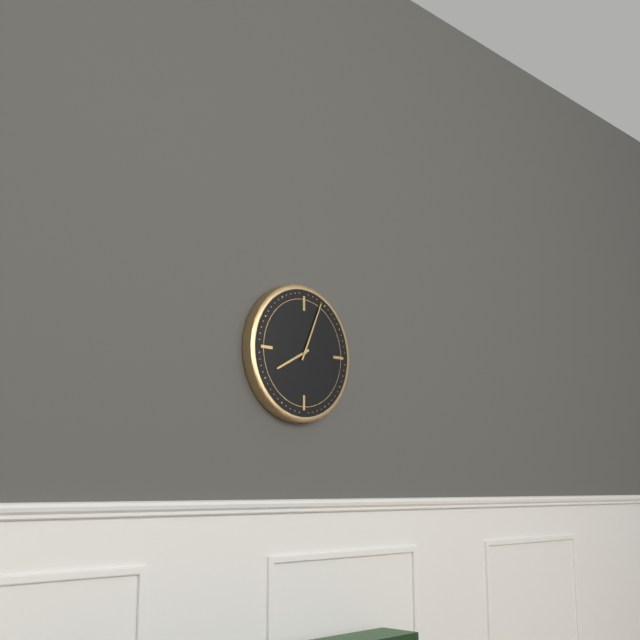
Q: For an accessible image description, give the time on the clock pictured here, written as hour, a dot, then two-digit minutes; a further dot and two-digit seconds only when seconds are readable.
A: 8.04
